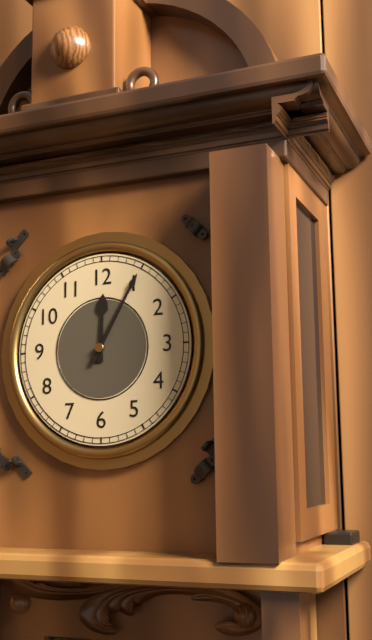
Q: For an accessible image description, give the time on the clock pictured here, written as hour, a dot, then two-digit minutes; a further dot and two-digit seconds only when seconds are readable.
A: 12.05
